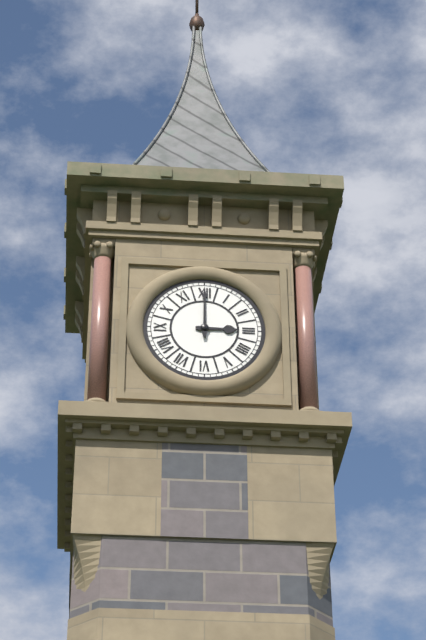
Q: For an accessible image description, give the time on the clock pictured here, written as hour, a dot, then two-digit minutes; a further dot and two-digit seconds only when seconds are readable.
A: 3.00
